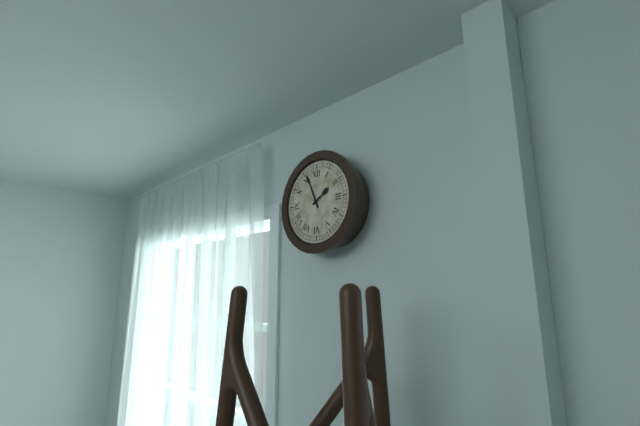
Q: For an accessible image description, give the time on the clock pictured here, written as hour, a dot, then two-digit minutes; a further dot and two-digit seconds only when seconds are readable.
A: 1.56
